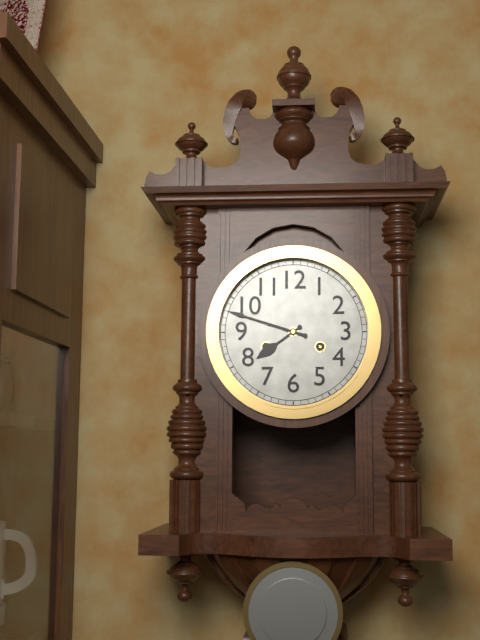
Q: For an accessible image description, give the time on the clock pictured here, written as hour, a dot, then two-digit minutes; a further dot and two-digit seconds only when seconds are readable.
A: 7.48
